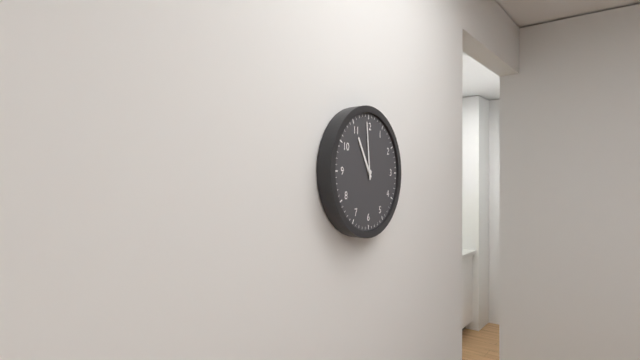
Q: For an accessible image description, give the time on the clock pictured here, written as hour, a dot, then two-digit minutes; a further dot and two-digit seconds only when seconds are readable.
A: 10.59
